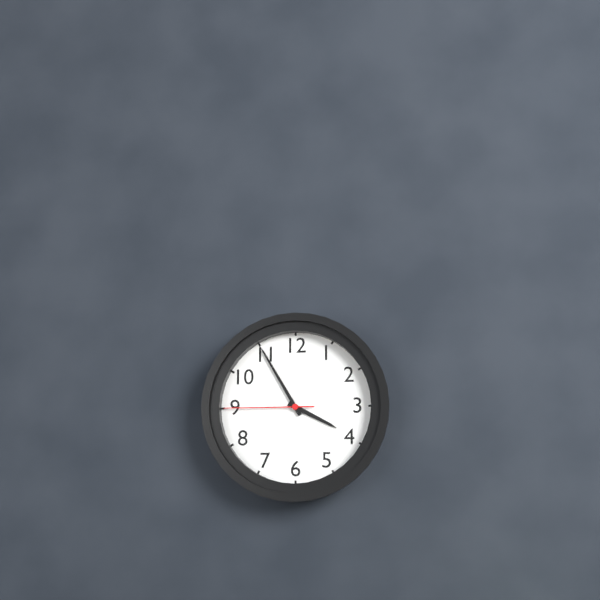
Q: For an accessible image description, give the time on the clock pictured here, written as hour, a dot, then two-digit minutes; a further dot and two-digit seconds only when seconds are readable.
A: 3.55.45
